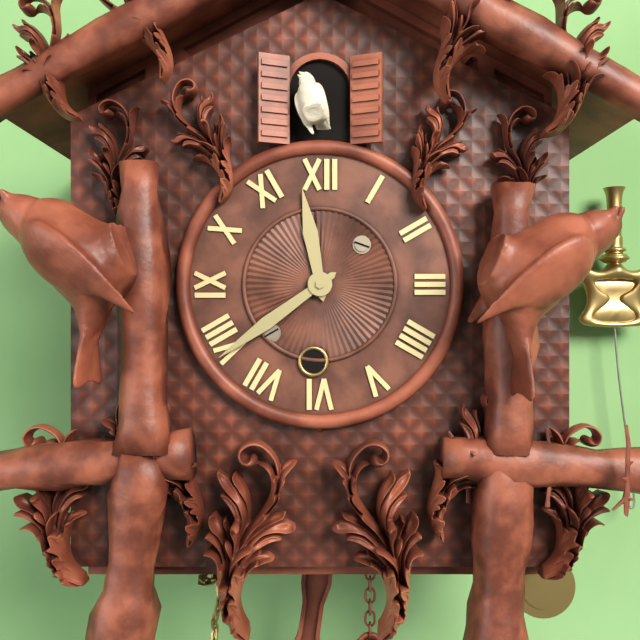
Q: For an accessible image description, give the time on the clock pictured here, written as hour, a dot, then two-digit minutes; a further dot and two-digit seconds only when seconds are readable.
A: 11.39
